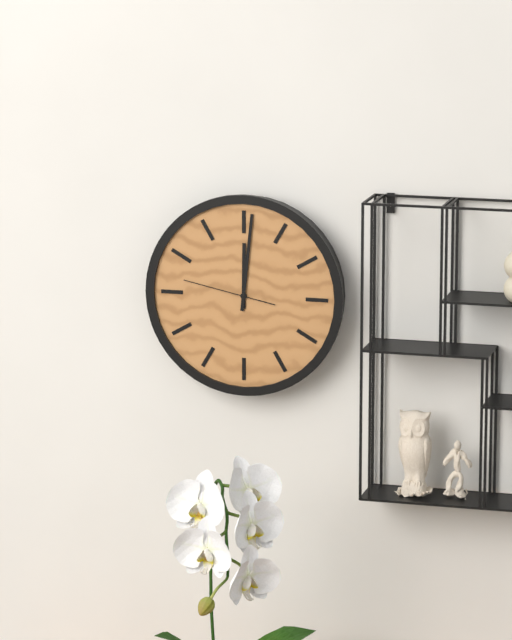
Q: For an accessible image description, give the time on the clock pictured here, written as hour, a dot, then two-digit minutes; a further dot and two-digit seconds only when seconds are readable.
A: 12.01.47
